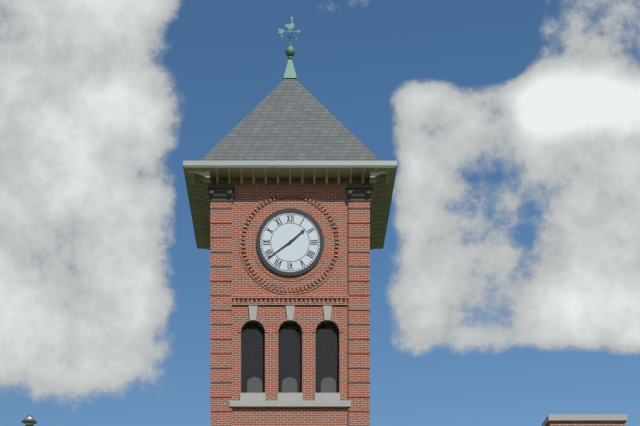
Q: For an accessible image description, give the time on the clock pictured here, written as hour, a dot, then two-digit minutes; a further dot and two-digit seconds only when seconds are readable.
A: 1.39
